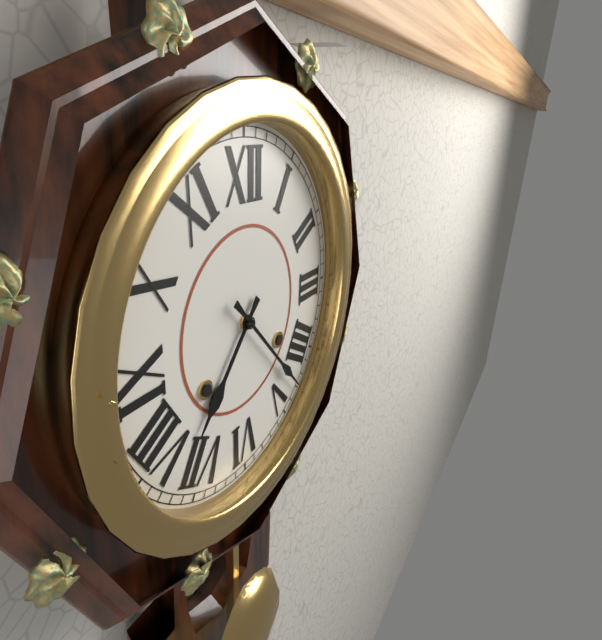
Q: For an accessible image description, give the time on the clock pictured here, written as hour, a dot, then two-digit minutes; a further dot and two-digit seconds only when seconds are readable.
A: 7.23
